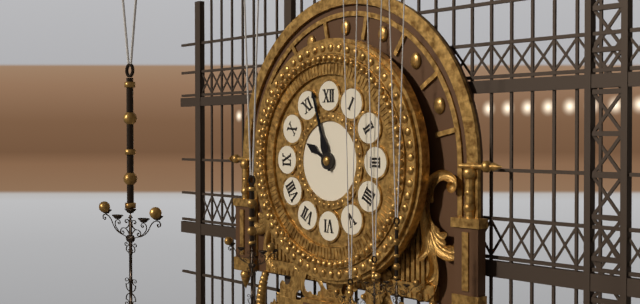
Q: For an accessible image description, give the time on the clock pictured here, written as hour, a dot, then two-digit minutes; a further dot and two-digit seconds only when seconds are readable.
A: 9.57
